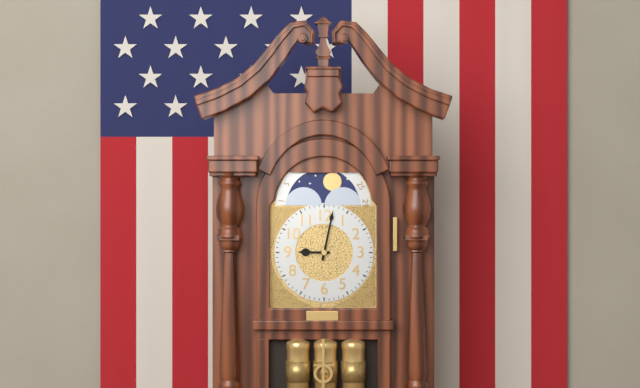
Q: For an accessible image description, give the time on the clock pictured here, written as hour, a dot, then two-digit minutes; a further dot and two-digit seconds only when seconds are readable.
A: 9.02
